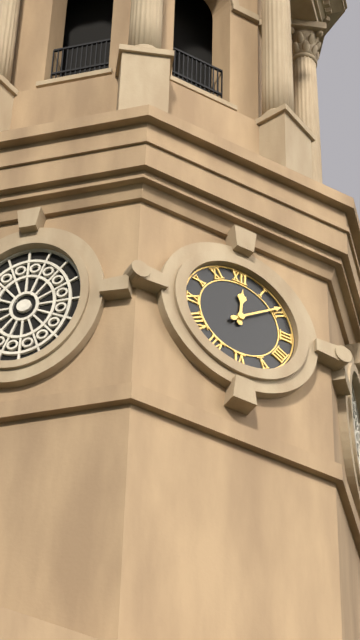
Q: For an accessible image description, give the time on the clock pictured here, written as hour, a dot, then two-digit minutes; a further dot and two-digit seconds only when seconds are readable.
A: 12.09
